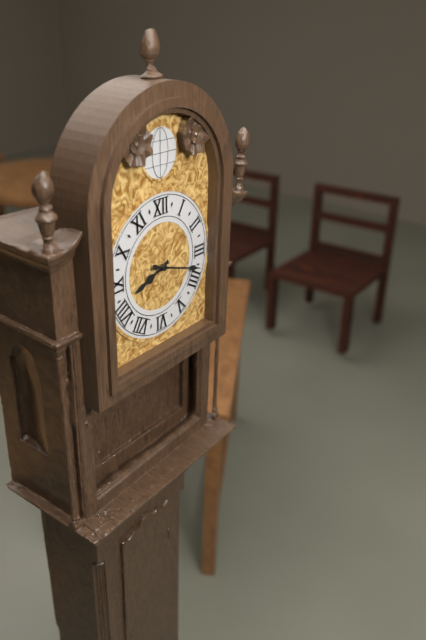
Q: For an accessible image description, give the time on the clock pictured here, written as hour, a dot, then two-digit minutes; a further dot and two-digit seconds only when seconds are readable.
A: 8.18
